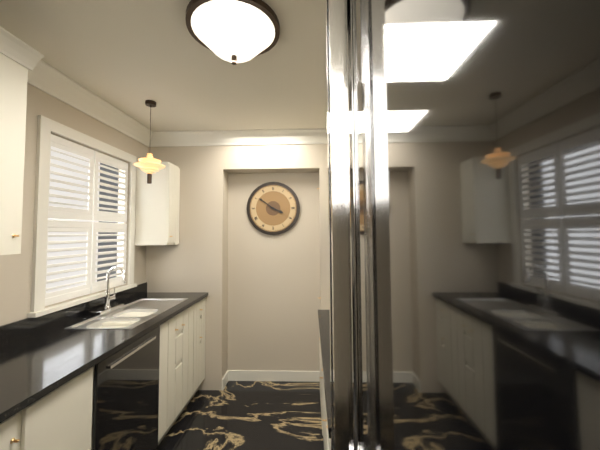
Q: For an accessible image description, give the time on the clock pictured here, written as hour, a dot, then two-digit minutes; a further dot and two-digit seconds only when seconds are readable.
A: 3.51
